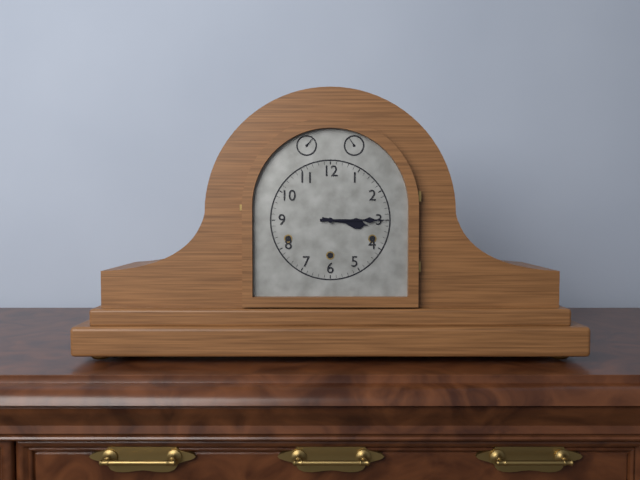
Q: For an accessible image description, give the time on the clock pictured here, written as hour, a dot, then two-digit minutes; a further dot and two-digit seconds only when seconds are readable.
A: 3.15
